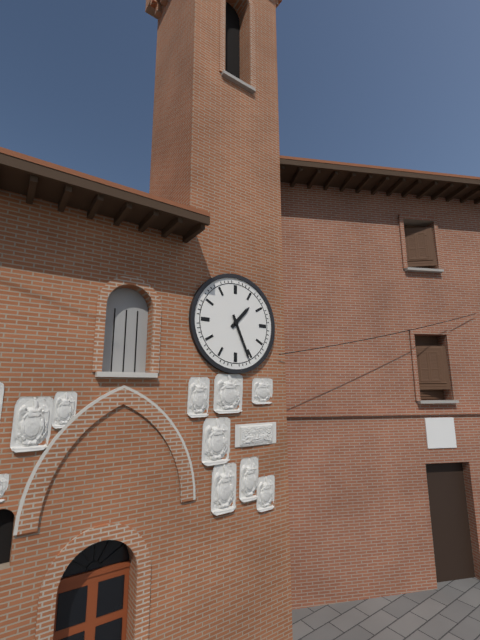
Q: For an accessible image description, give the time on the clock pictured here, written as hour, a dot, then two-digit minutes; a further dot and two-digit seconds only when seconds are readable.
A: 1.26
